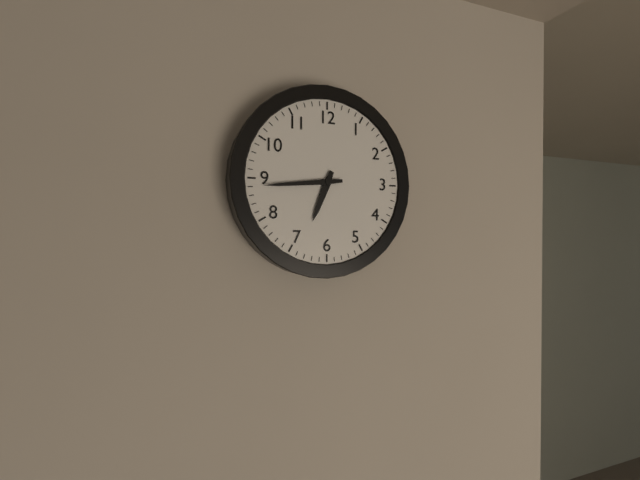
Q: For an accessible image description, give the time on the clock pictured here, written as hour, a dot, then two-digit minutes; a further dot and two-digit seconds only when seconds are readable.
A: 6.44
